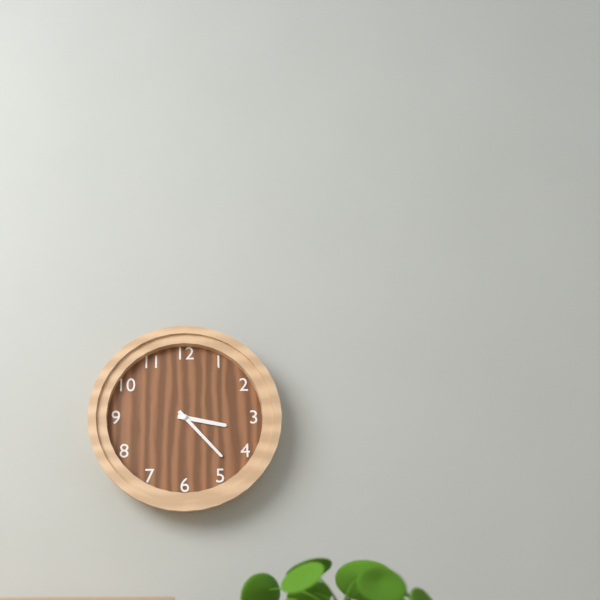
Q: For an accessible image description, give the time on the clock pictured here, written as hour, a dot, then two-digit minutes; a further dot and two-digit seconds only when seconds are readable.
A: 3.23
